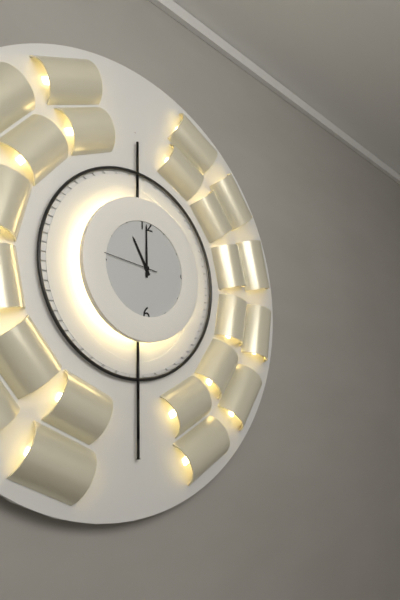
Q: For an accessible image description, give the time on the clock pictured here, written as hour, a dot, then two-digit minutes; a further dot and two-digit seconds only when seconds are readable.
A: 11.00.46
